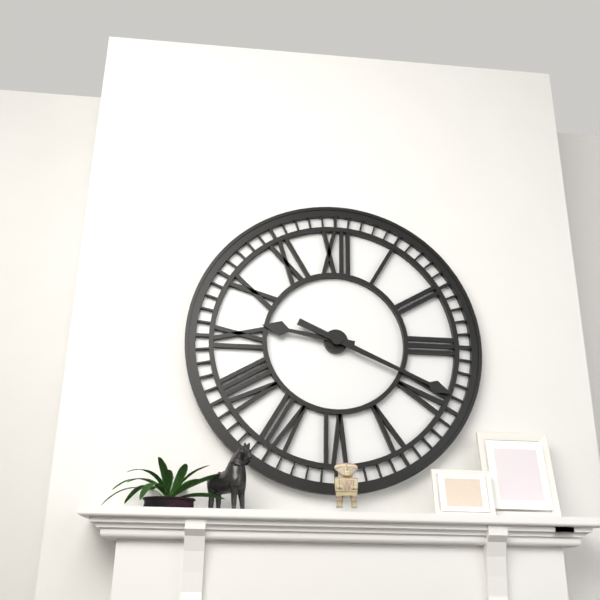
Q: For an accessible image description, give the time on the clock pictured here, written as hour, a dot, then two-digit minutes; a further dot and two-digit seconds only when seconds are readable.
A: 9.19
